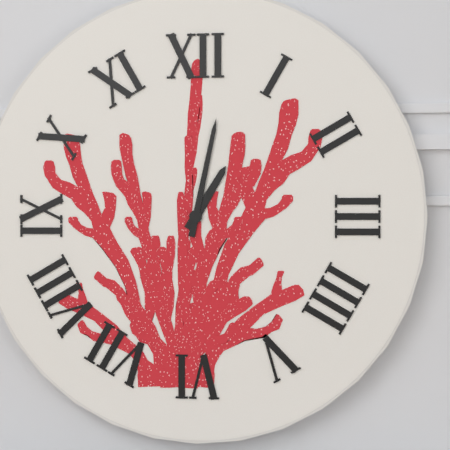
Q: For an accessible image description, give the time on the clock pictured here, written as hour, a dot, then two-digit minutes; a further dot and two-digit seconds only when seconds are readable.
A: 1.02
